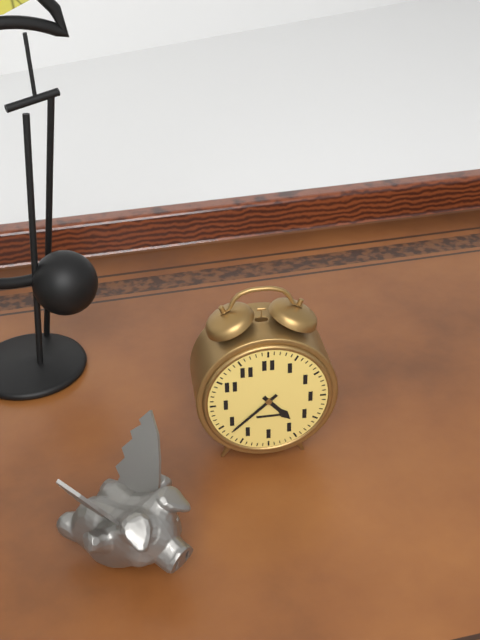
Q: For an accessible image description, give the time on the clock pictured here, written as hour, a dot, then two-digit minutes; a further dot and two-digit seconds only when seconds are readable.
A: 4.38
